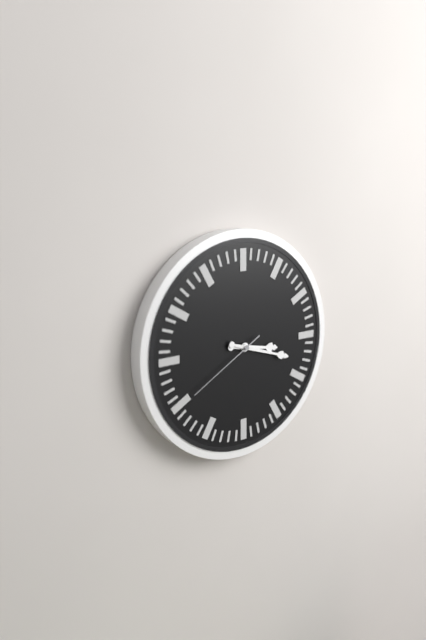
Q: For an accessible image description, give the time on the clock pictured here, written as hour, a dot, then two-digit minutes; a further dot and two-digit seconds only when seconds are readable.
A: 3.18.40
